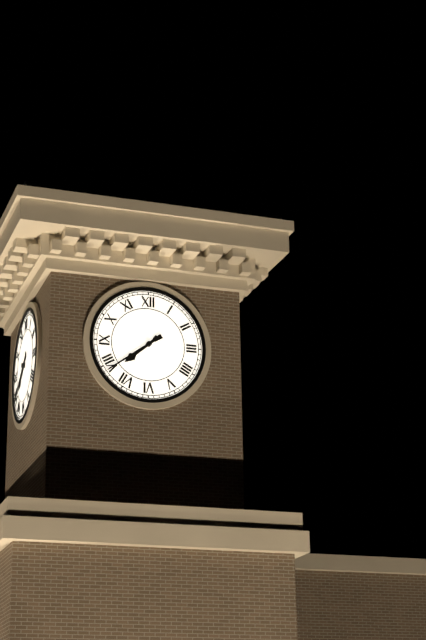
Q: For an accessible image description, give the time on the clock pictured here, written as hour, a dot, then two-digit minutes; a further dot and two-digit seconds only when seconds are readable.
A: 7.39
